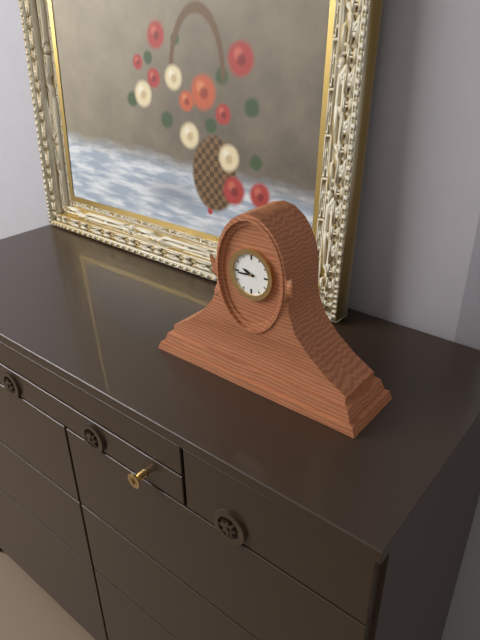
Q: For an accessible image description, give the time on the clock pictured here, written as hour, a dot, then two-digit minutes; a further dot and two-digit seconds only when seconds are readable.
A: 9.44
